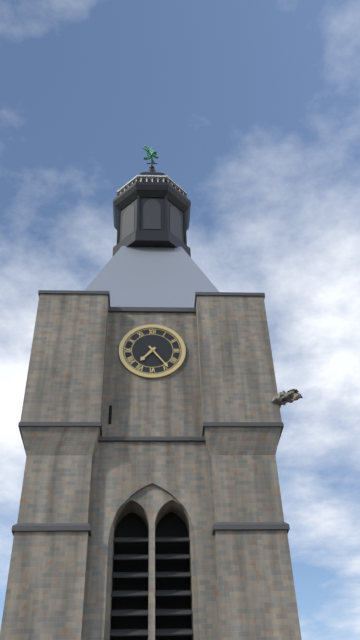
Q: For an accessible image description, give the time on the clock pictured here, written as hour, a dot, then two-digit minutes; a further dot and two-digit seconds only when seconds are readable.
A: 7.24
